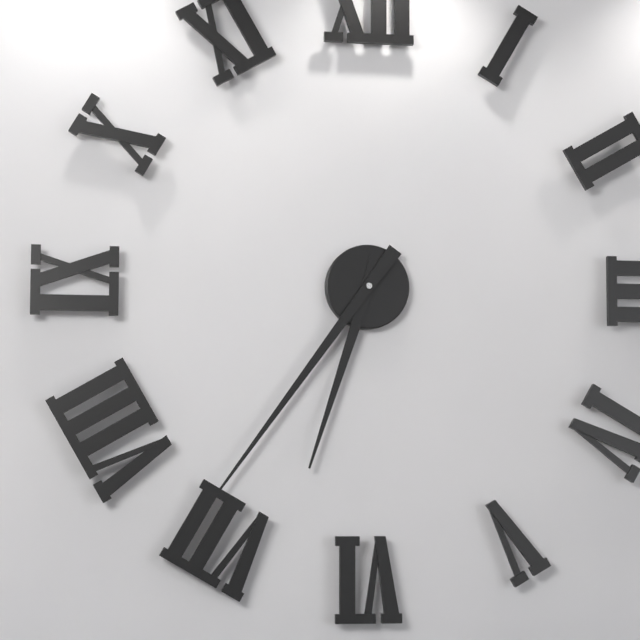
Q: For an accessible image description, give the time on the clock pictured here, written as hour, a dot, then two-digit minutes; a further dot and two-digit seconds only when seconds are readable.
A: 6.36
